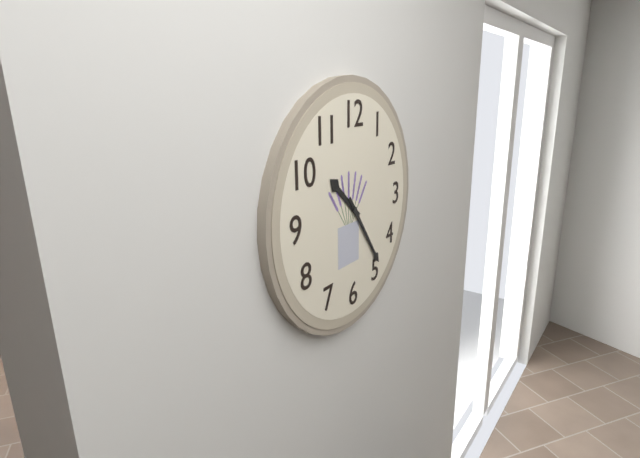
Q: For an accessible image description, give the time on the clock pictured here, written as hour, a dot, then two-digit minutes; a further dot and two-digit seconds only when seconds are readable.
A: 10.24
